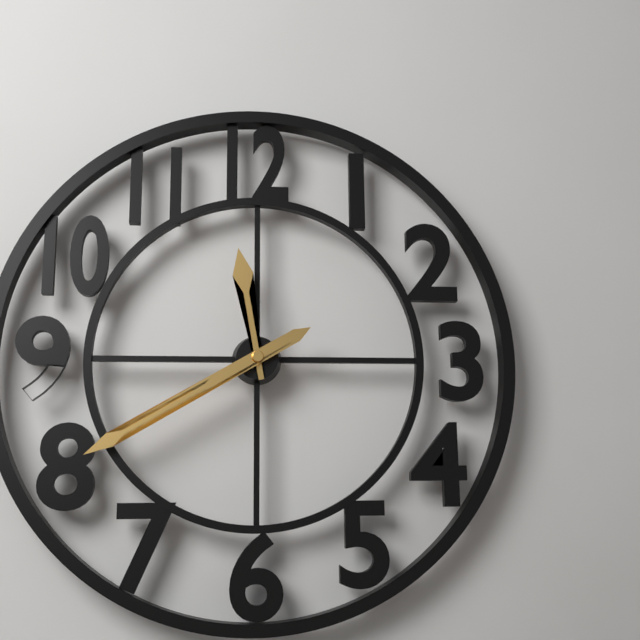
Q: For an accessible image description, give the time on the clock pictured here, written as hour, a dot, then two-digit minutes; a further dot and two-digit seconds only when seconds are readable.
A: 11.40
